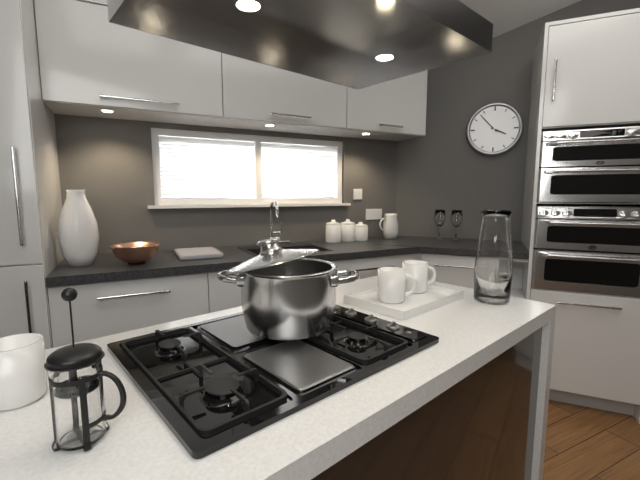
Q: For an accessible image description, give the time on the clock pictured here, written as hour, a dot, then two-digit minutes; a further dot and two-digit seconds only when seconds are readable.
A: 3.53
